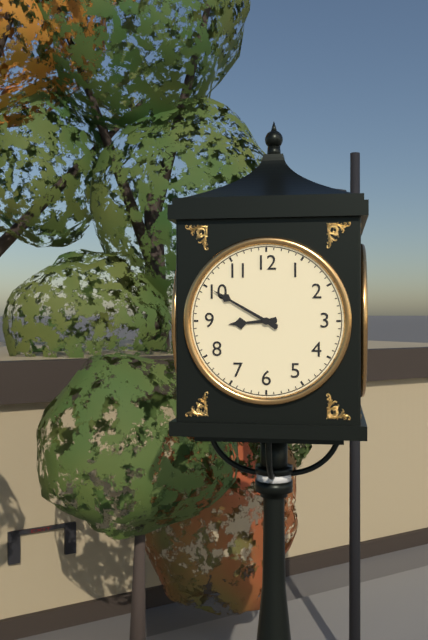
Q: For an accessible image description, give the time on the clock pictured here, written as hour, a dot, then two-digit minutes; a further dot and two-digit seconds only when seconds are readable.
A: 8.50
